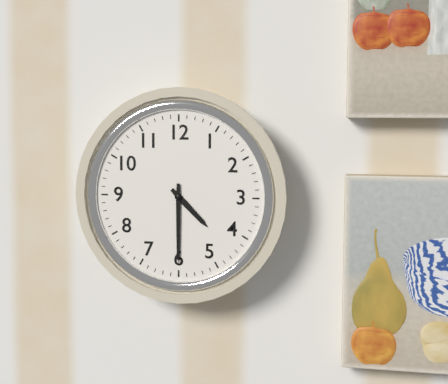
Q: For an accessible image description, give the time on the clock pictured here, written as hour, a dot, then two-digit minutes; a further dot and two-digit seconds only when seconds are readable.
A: 4.30
